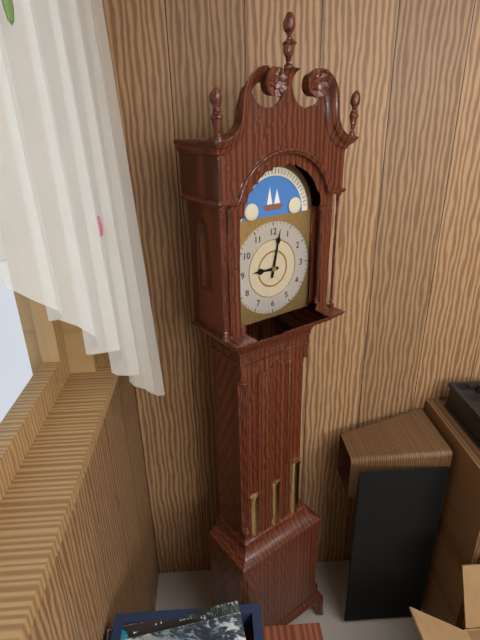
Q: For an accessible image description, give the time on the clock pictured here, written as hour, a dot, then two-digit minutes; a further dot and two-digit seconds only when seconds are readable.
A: 9.02
